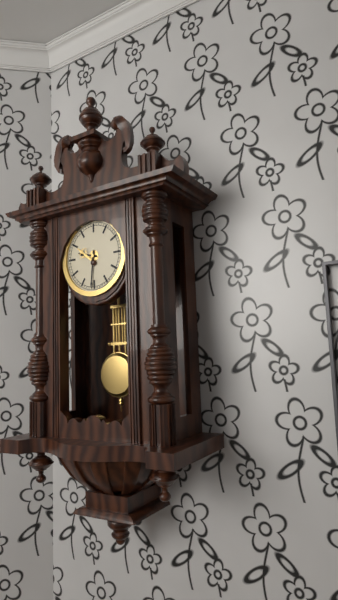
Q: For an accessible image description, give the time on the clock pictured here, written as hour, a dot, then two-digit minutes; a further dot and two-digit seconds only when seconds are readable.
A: 9.31
